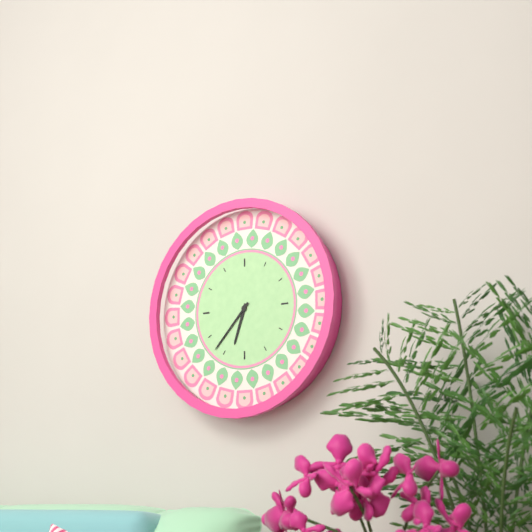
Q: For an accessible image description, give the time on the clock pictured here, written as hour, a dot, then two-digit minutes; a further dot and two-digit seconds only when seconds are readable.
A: 6.37
